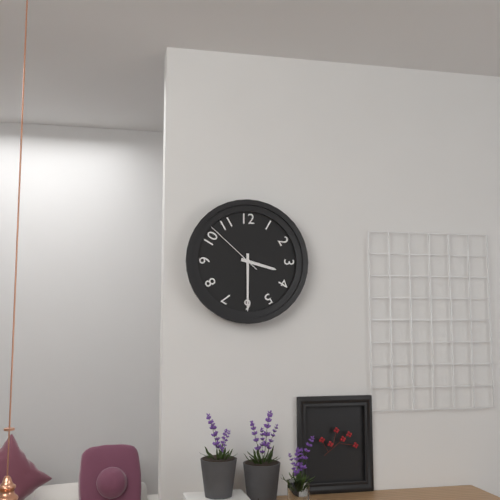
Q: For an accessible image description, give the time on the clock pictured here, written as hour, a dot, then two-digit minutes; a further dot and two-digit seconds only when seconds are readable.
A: 3.30.52
